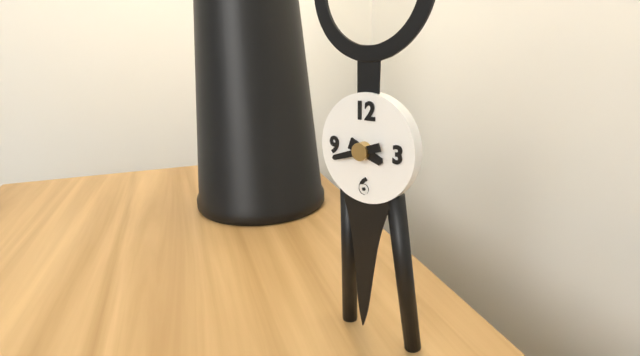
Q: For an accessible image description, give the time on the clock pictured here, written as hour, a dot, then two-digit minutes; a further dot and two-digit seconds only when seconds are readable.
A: 3.42
